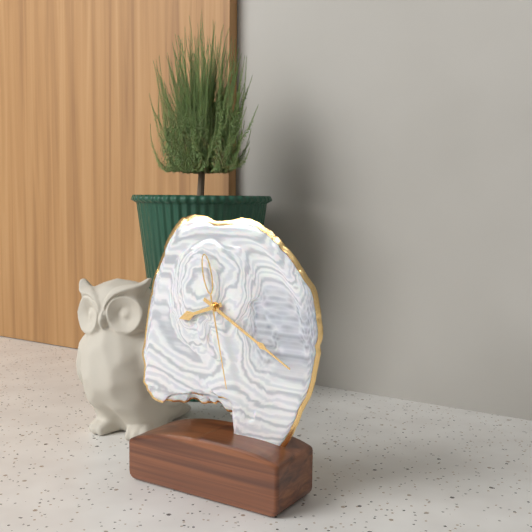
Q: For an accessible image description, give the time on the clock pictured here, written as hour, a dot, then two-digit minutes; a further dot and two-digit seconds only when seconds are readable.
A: 8.20.28
